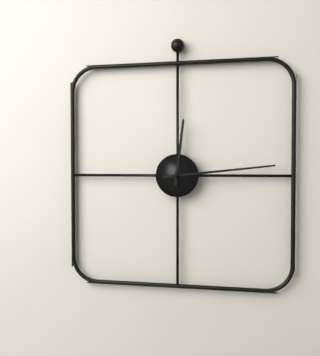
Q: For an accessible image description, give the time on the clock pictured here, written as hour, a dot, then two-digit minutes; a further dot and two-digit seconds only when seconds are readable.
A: 12.14
